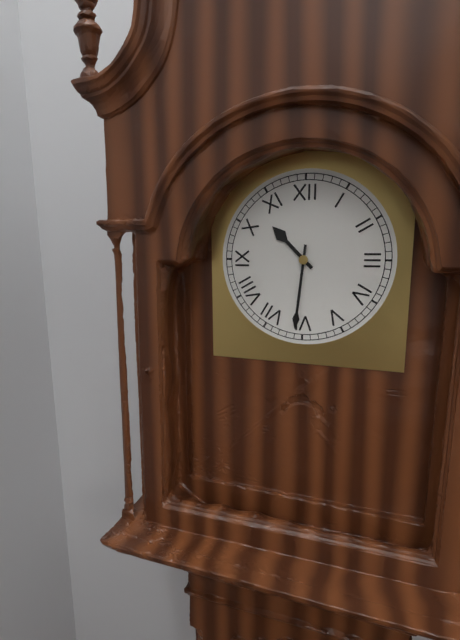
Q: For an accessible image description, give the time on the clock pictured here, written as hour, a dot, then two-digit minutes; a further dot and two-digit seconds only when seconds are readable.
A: 10.31
